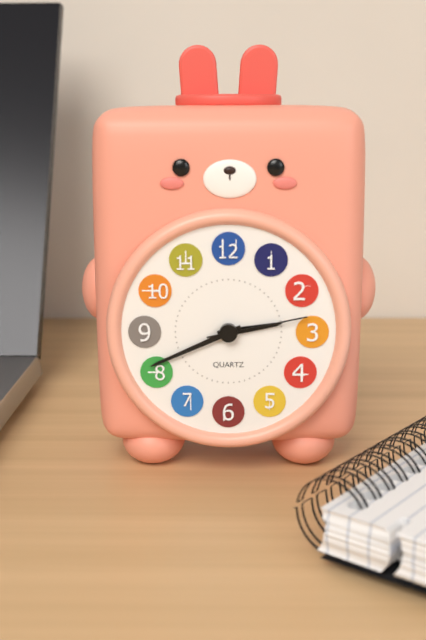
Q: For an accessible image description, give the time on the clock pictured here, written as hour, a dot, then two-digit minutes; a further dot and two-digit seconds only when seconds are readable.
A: 2.41.13
